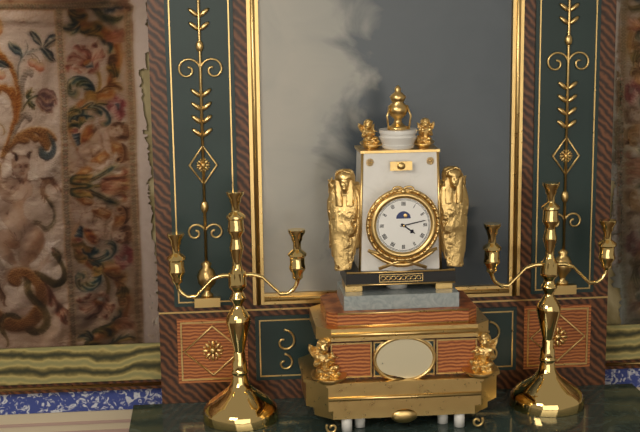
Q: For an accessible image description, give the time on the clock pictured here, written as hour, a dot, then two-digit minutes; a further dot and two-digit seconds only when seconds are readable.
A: 4.13
